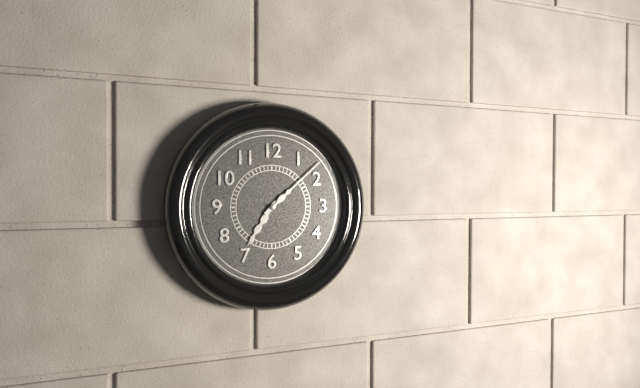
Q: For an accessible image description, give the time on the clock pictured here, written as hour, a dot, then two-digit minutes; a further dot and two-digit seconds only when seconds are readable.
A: 7.08
